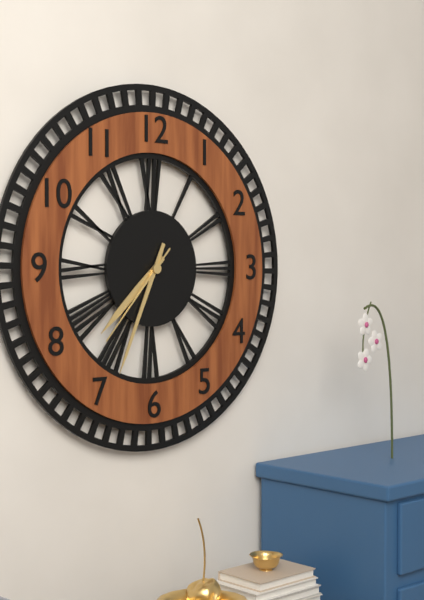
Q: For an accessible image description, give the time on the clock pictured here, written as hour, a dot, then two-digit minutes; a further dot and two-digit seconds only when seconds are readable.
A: 7.34.37
